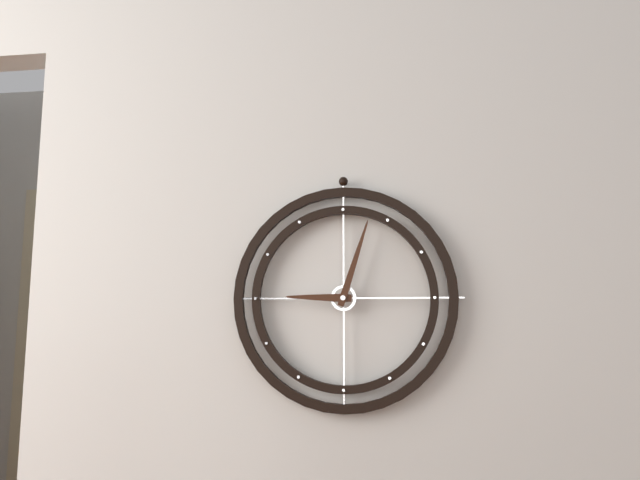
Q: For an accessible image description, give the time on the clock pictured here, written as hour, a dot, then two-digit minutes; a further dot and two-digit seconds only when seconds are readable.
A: 9.03
